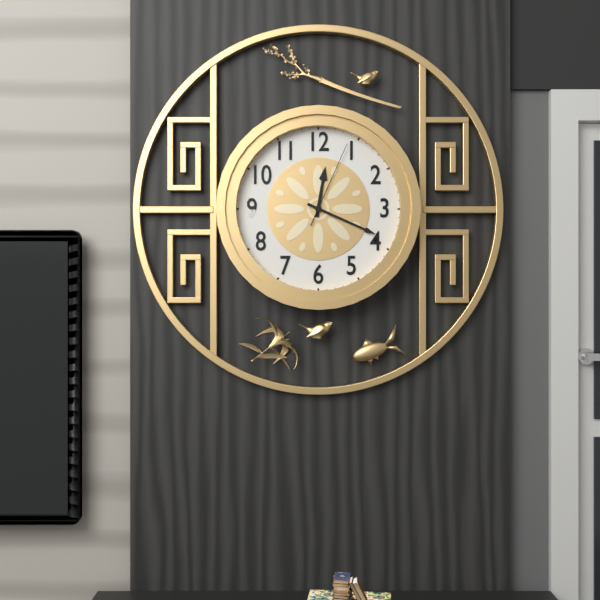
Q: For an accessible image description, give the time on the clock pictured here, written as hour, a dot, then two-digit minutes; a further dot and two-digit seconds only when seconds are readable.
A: 12.19.04
